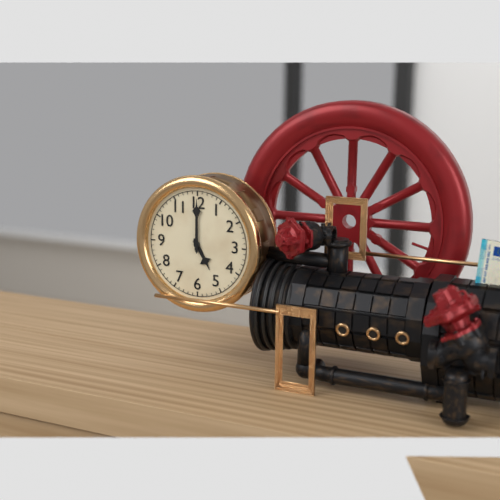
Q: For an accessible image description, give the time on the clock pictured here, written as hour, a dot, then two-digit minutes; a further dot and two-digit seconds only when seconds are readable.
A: 5.00
